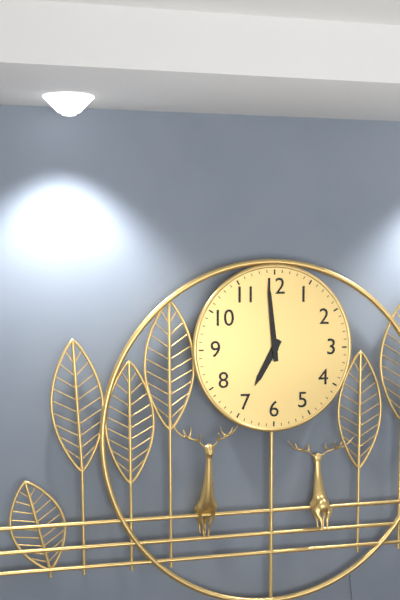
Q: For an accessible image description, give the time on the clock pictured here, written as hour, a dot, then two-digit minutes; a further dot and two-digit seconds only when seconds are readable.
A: 6.59
